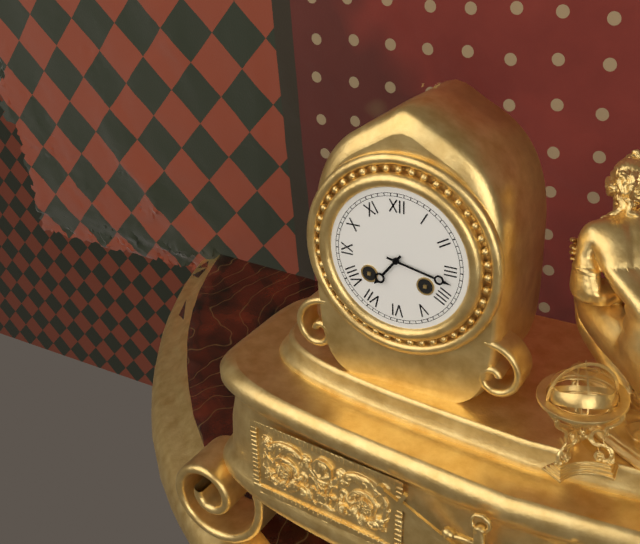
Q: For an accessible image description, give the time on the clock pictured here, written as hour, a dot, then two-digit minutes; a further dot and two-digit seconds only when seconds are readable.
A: 7.17
